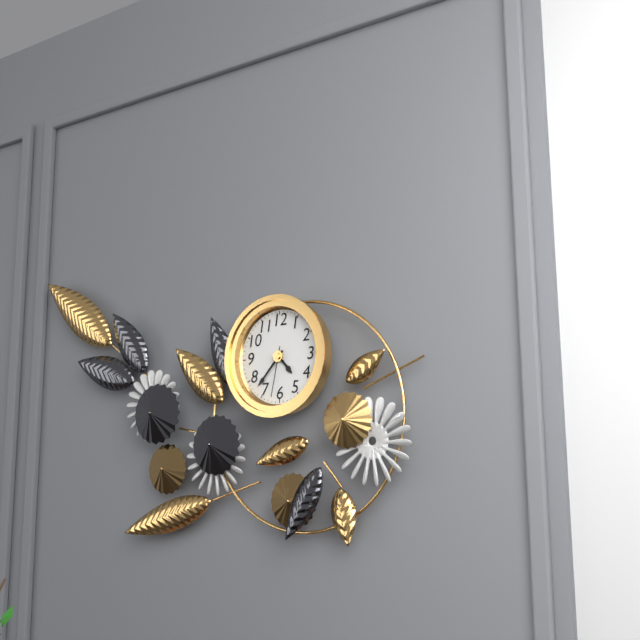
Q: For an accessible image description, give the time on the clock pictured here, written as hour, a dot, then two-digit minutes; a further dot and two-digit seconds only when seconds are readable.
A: 4.37.32
